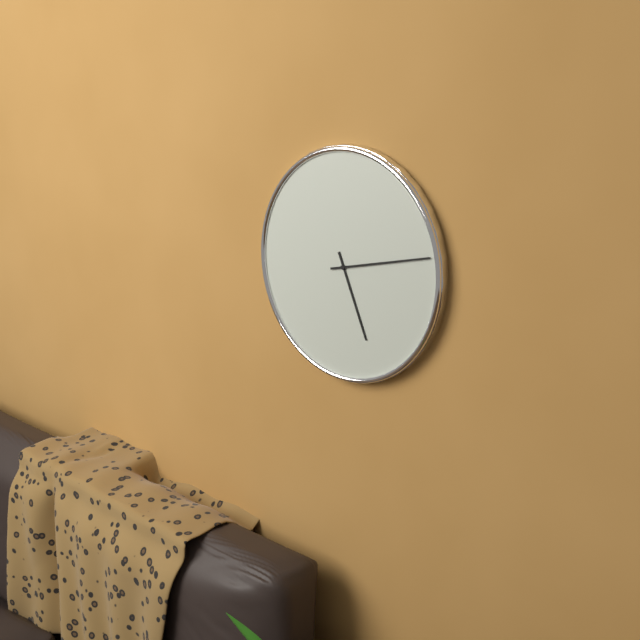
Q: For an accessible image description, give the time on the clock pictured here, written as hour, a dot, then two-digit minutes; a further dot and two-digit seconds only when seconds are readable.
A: 5.13
